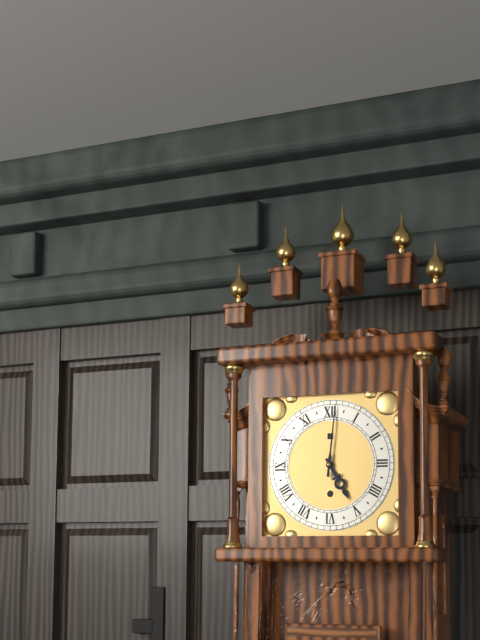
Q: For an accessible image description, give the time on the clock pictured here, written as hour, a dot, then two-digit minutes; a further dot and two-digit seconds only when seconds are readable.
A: 5.01
